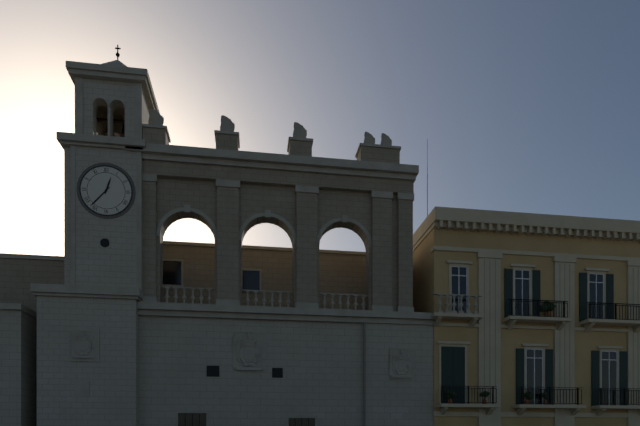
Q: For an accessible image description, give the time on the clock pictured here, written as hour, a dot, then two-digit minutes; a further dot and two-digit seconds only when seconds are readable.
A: 12.37
